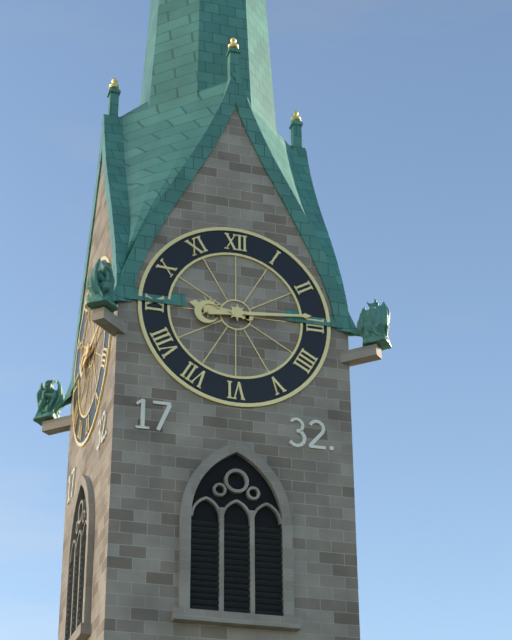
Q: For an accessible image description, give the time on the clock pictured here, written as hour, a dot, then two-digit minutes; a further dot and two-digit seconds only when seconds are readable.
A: 9.14
